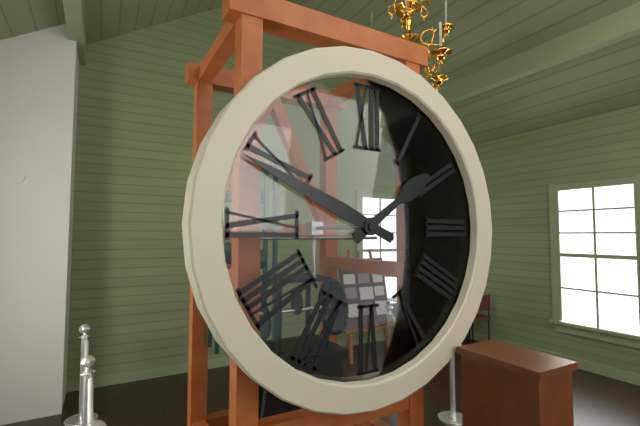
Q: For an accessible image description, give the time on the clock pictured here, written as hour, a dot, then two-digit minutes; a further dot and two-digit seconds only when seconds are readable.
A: 1.49
